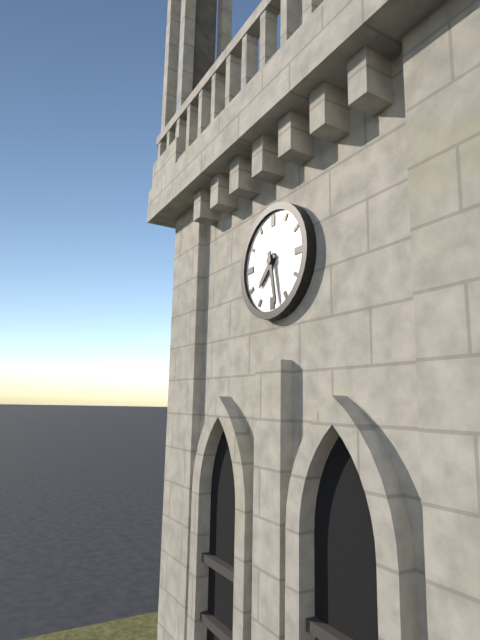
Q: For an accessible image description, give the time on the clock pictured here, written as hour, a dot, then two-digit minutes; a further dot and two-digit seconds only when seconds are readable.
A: 7.28
